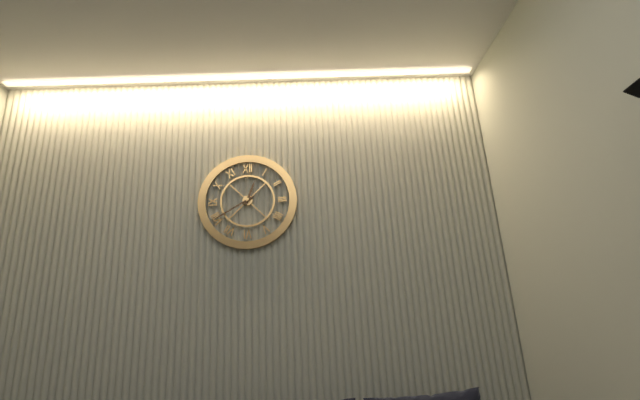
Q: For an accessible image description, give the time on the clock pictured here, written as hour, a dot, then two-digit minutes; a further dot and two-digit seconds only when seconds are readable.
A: 12.40
